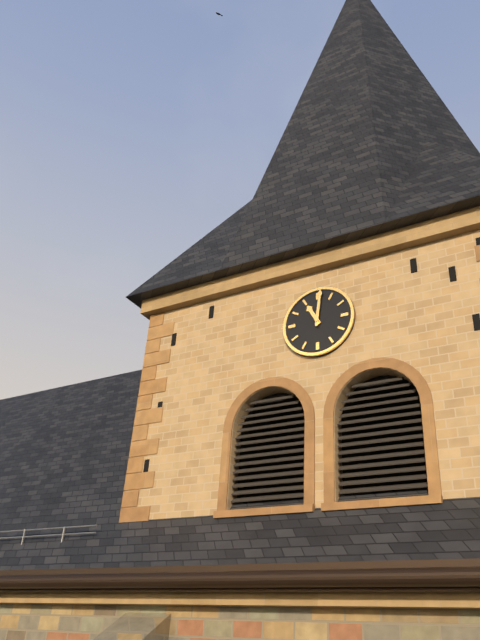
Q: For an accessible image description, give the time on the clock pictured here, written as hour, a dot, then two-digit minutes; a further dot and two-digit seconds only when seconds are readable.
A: 11.01
